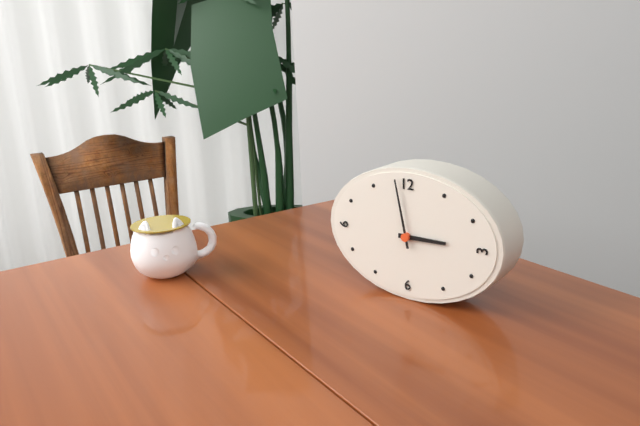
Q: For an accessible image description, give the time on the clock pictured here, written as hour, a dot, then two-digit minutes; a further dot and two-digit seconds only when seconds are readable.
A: 2.58
